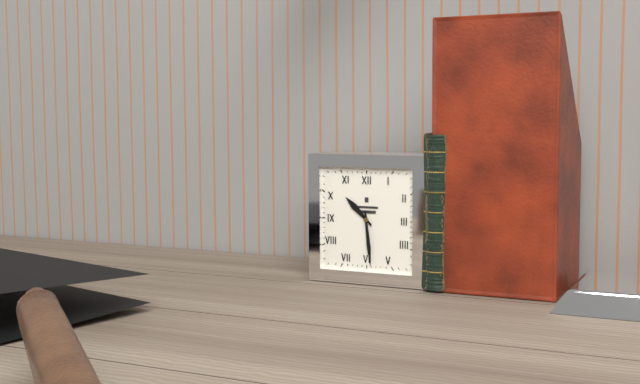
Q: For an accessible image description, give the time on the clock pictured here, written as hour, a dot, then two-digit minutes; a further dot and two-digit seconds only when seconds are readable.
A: 10.29
